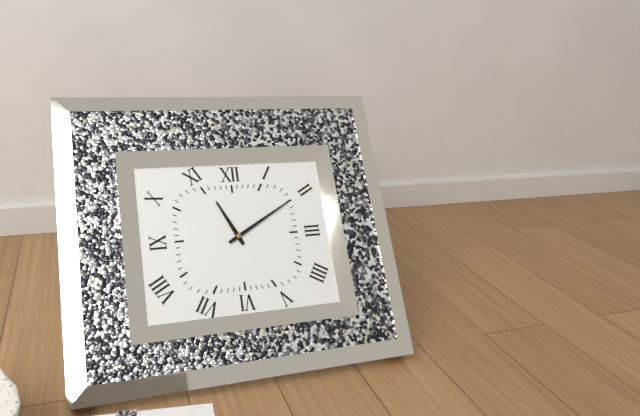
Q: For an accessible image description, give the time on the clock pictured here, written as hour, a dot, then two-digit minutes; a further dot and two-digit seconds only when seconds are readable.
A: 11.10
